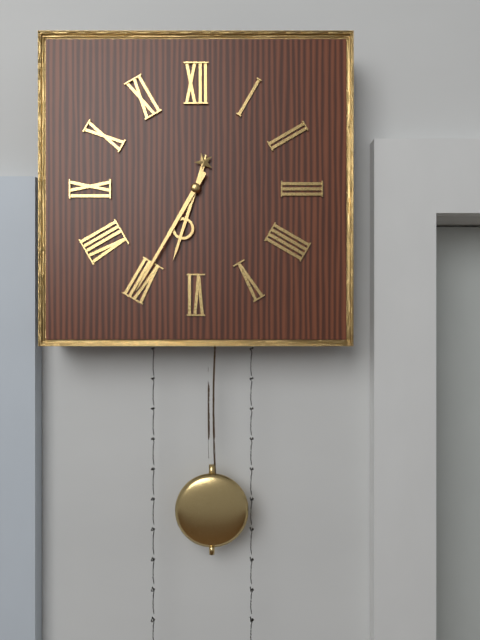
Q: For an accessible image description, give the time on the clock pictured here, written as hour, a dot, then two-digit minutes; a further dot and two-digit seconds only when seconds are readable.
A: 6.35
